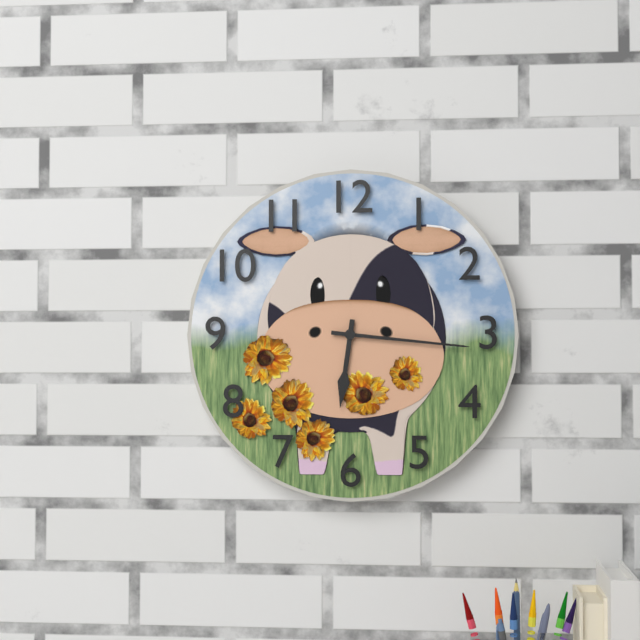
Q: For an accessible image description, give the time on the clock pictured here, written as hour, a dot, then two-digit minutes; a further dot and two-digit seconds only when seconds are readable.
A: 6.16
